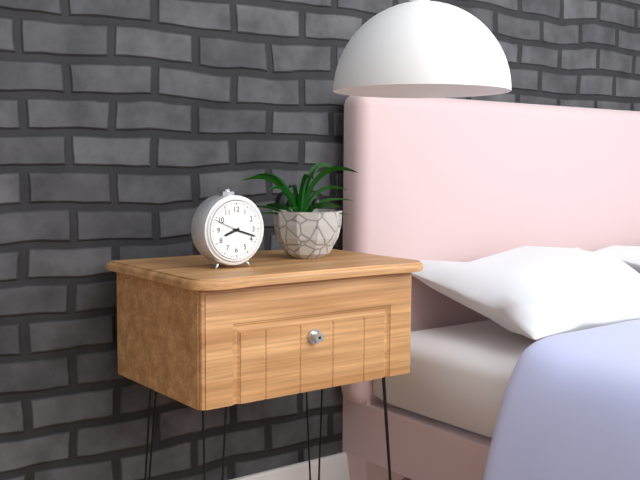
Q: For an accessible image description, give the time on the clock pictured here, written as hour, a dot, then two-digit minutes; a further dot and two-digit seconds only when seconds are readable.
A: 8.18
